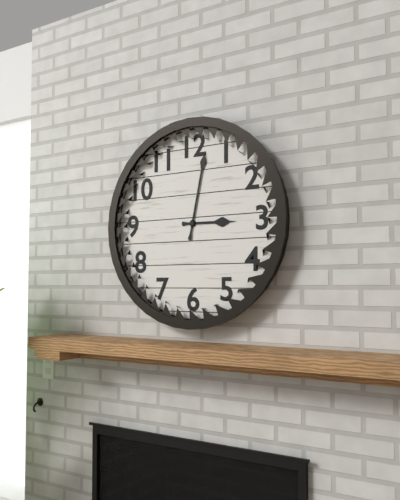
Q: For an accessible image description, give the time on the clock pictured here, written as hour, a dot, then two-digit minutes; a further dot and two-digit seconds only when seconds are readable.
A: 3.02
